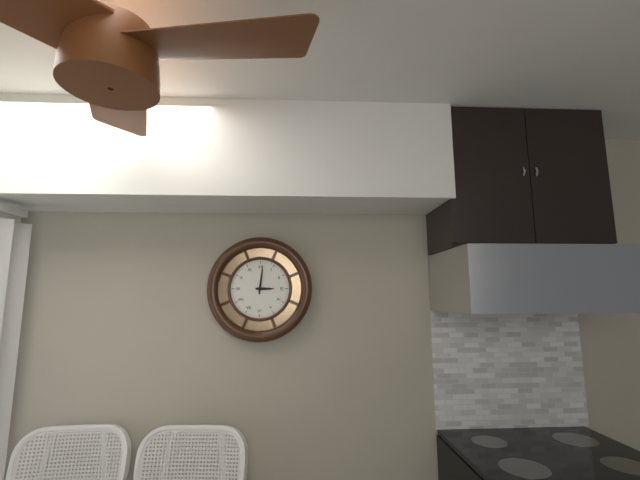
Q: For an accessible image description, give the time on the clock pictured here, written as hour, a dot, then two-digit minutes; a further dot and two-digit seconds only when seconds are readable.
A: 3.01
